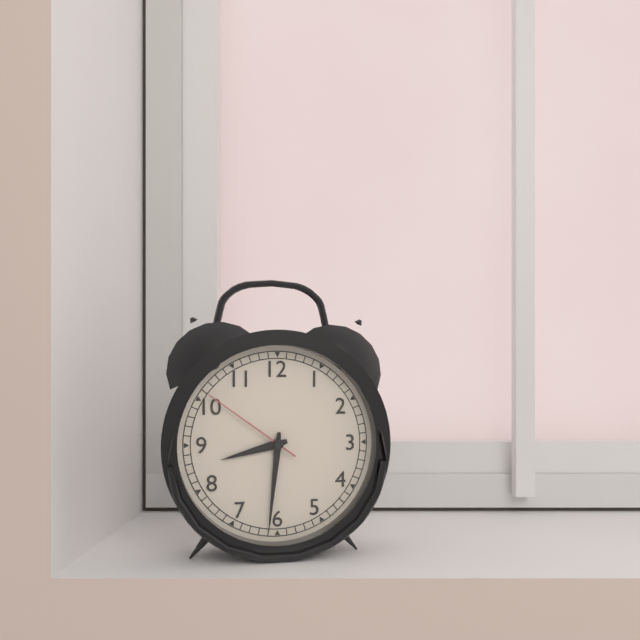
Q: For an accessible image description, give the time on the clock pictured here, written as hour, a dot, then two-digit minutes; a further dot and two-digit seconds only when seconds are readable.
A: 8.31.51
